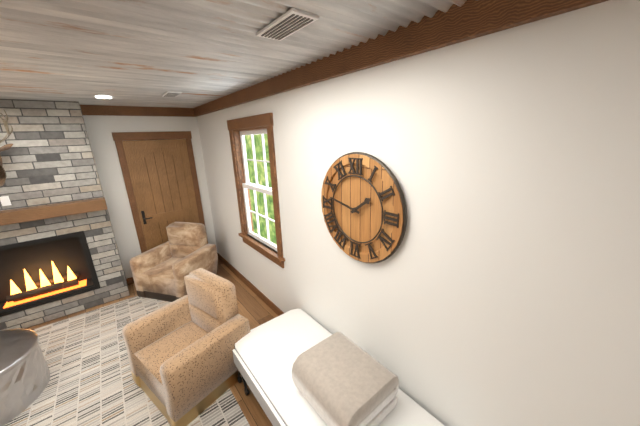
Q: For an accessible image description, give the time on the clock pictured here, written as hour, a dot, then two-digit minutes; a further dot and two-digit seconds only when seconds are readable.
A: 1.47
